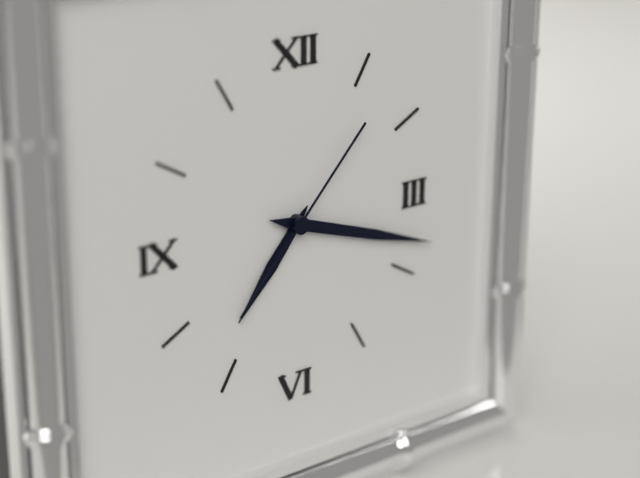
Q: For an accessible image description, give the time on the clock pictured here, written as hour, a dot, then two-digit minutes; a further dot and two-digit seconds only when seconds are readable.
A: 7.18.07
